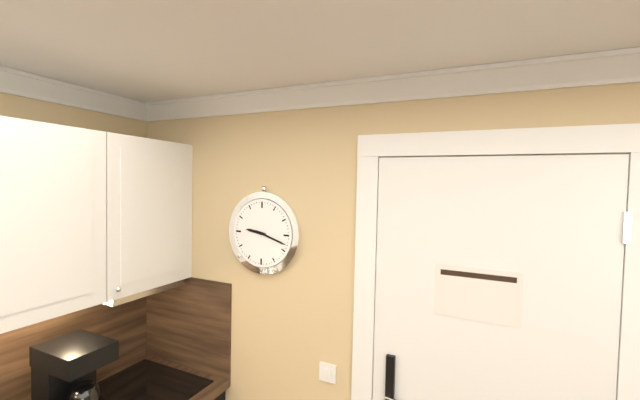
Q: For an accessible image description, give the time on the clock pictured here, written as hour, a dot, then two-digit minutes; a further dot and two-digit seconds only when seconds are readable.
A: 9.18
